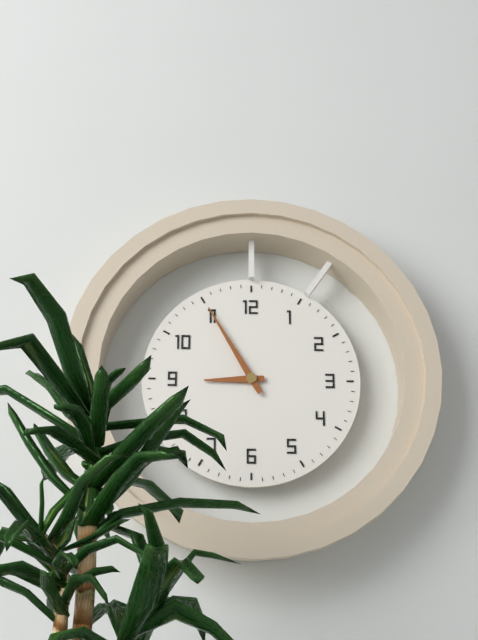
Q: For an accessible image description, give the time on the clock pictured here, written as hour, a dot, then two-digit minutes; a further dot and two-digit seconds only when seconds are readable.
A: 8.55
